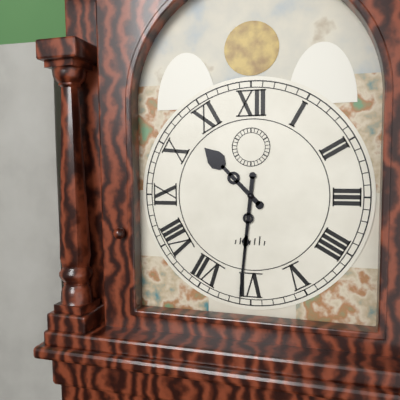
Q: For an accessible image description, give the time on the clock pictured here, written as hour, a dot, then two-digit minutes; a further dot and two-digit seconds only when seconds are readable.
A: 10.31
